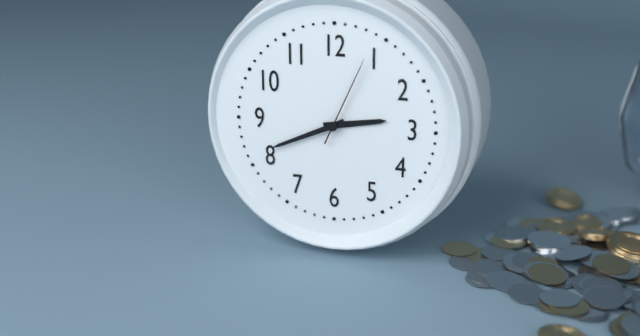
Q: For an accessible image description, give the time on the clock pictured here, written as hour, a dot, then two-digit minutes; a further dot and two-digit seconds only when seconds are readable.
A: 2.41.04
